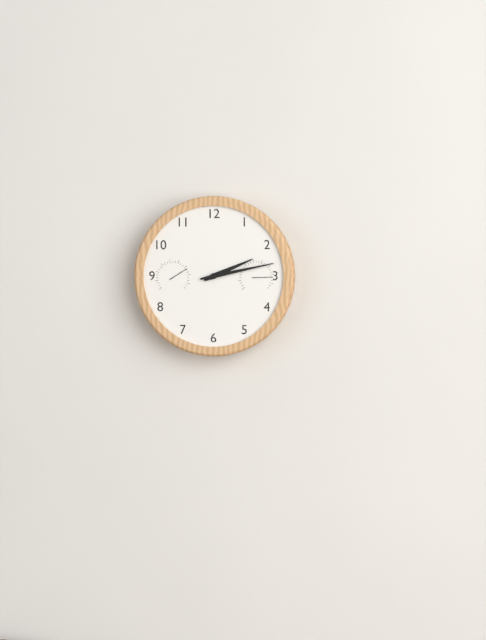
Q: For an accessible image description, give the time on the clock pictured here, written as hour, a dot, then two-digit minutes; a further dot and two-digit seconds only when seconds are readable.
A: 2.13
